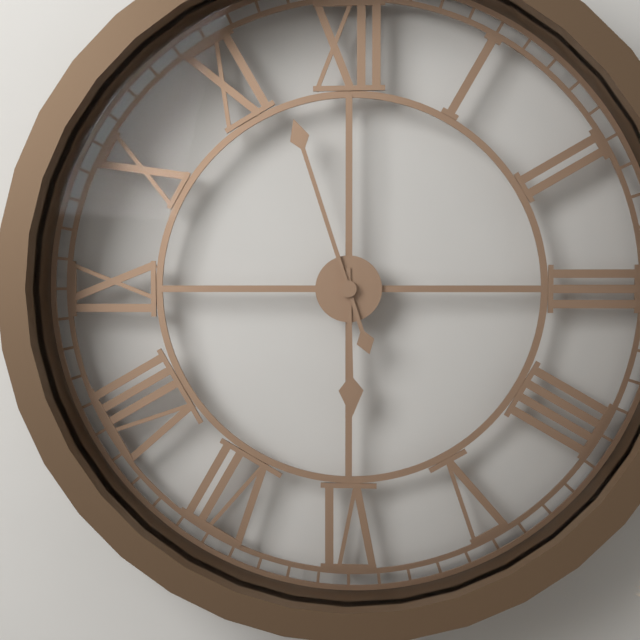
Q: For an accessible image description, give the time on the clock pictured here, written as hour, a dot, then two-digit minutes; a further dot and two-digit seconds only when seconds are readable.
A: 5.57
